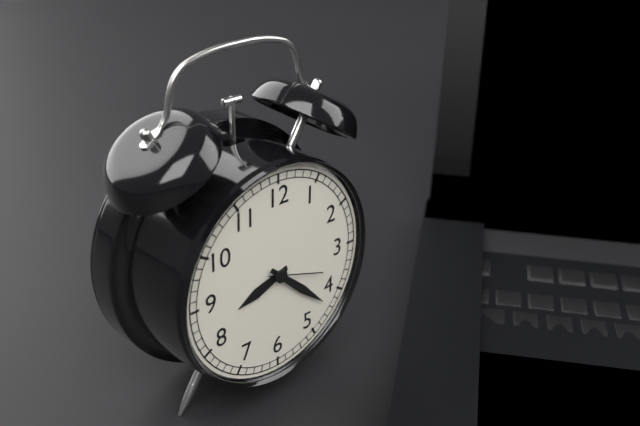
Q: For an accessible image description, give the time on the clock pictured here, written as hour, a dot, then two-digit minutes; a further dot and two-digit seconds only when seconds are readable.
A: 8.22.18
